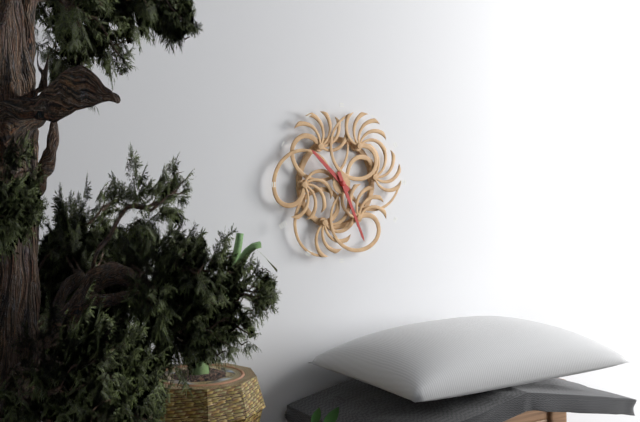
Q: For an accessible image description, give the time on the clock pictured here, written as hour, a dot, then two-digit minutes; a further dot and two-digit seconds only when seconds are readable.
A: 10.26
